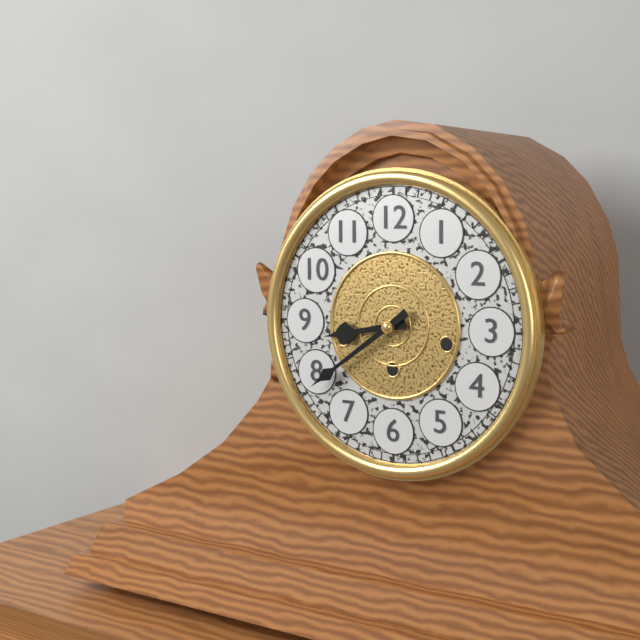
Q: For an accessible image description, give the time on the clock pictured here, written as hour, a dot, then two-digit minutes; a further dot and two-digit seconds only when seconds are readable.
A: 8.39
